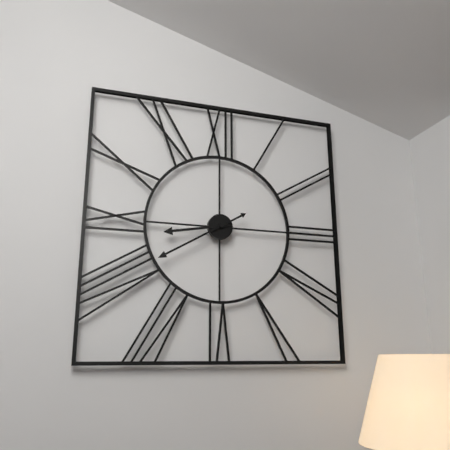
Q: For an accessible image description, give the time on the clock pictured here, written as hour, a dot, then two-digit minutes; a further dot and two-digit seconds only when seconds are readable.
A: 8.40
